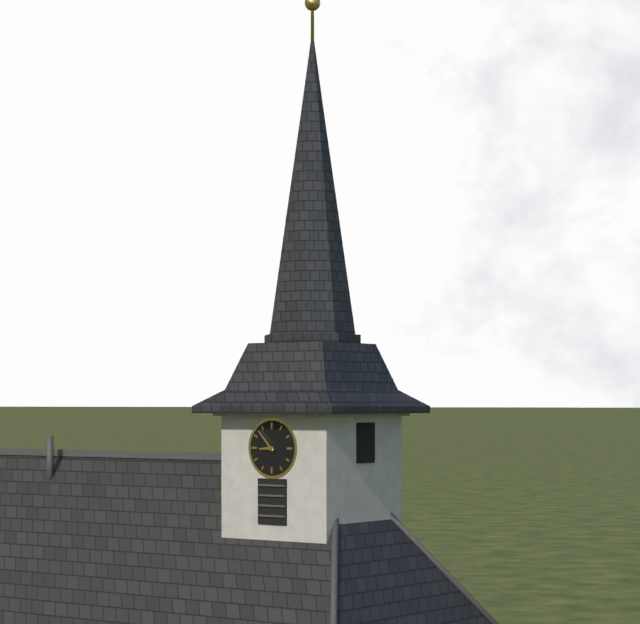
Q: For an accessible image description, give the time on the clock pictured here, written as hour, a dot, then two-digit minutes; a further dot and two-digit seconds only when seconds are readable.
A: 8.53
